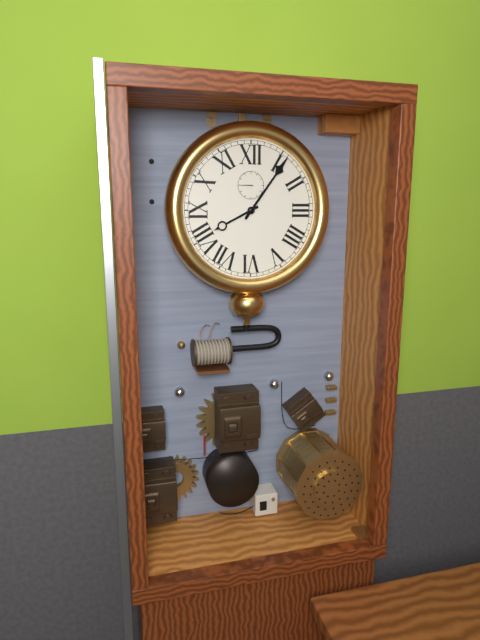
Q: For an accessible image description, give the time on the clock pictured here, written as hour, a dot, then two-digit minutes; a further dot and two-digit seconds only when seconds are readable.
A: 8.06
